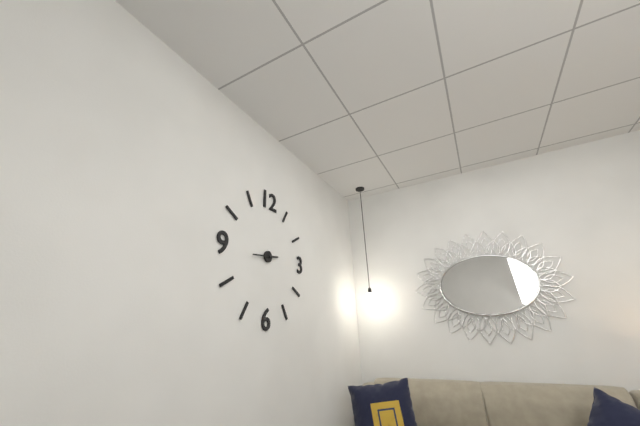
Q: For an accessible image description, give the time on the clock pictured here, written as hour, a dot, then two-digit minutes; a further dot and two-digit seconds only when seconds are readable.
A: 2.44
